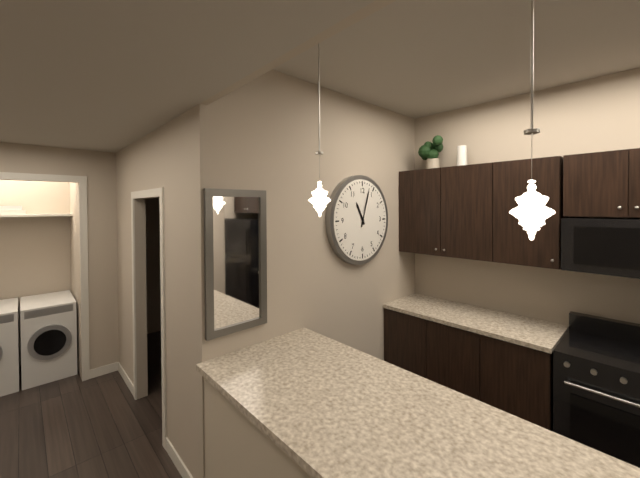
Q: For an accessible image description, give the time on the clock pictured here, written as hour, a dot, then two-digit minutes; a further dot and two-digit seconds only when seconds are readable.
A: 11.03
